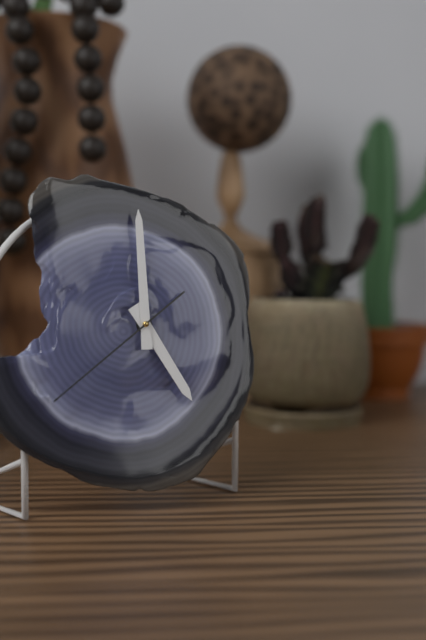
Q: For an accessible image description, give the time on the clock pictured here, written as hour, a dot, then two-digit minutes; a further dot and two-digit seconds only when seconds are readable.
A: 5.00.39
